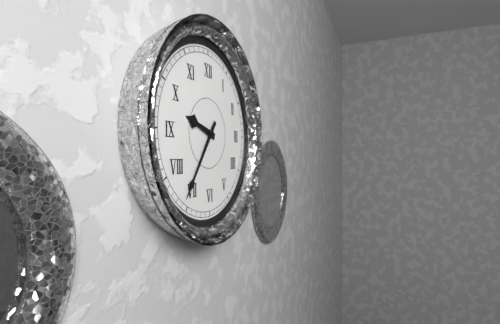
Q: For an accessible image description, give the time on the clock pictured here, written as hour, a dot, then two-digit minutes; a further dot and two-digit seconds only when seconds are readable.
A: 9.36
